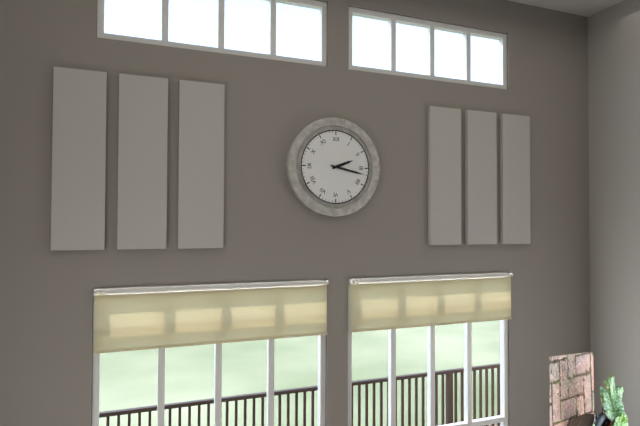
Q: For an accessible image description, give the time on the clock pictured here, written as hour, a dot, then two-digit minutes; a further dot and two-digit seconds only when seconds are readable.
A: 2.17
